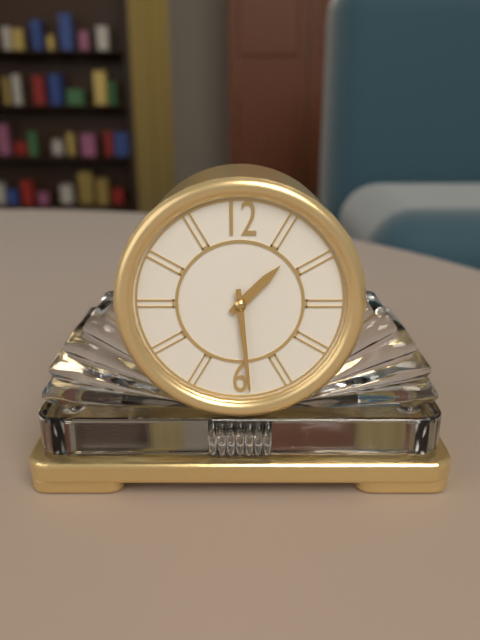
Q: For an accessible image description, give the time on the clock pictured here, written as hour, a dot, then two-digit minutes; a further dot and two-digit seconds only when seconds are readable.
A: 1.29
